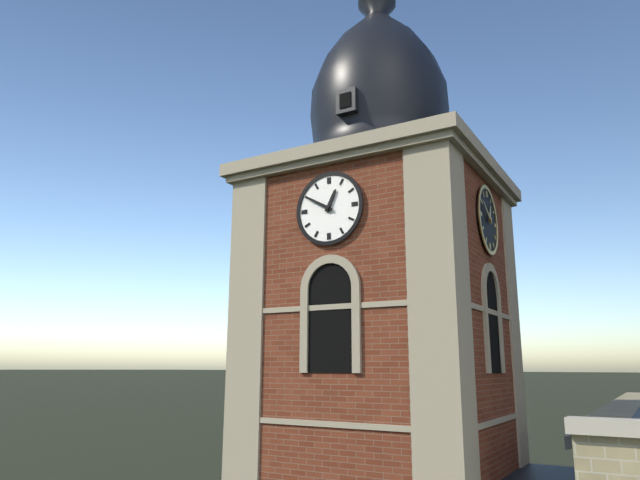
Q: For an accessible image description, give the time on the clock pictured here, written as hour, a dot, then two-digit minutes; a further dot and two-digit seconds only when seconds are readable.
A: 12.50
